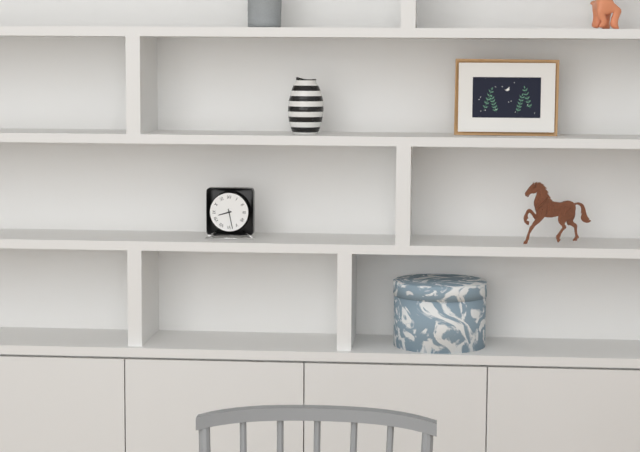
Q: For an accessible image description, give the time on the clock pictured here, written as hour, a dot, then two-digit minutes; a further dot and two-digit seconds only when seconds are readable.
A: 8.28
